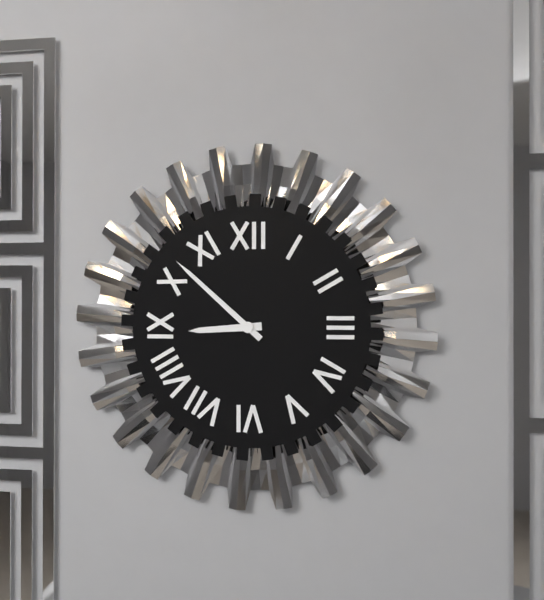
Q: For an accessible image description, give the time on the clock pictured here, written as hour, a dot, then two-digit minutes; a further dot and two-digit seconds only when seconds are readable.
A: 8.52
